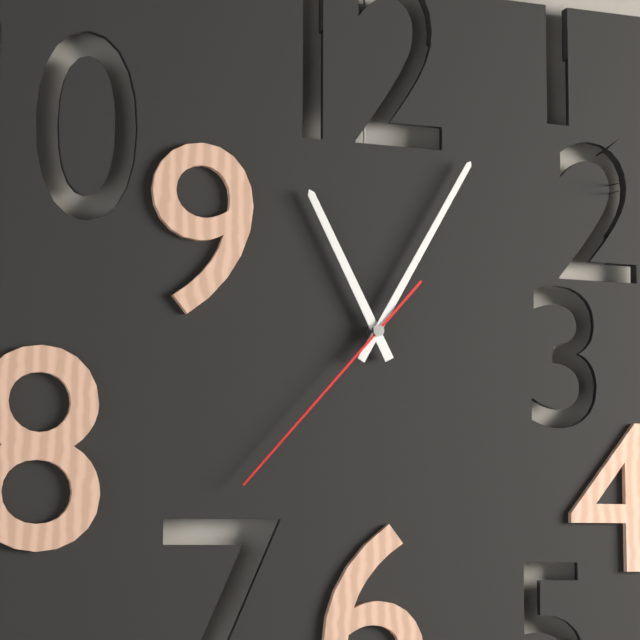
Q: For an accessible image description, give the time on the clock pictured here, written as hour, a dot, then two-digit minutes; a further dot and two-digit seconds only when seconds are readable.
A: 11.05.37
